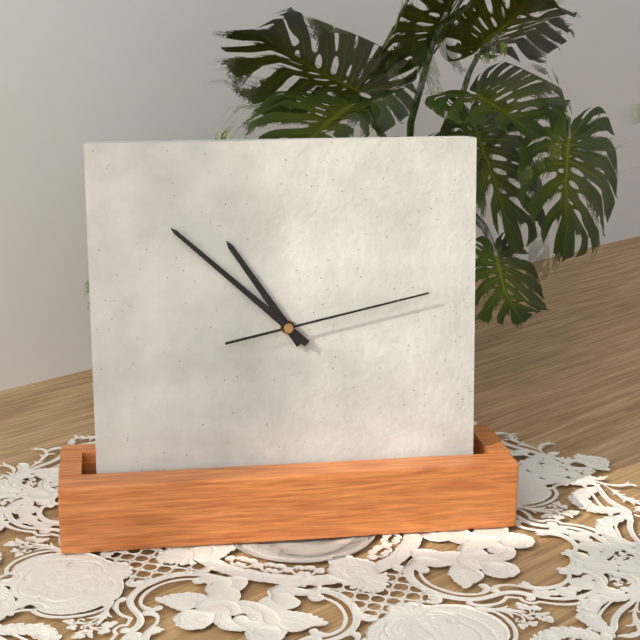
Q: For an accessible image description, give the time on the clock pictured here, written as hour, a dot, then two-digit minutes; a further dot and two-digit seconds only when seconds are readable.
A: 10.52.13
